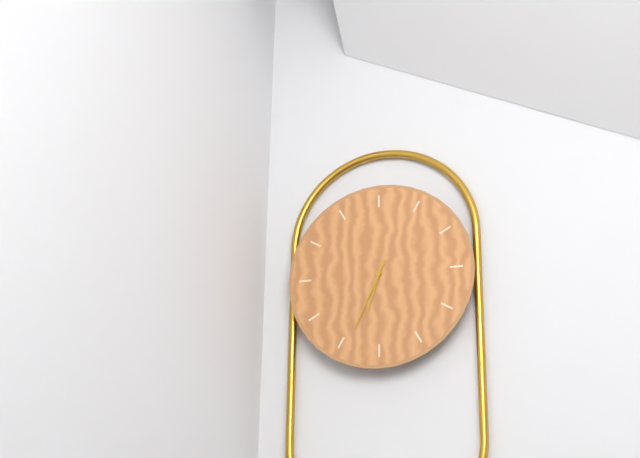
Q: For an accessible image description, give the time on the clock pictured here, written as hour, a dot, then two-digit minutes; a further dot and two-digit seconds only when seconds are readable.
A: 6.34
